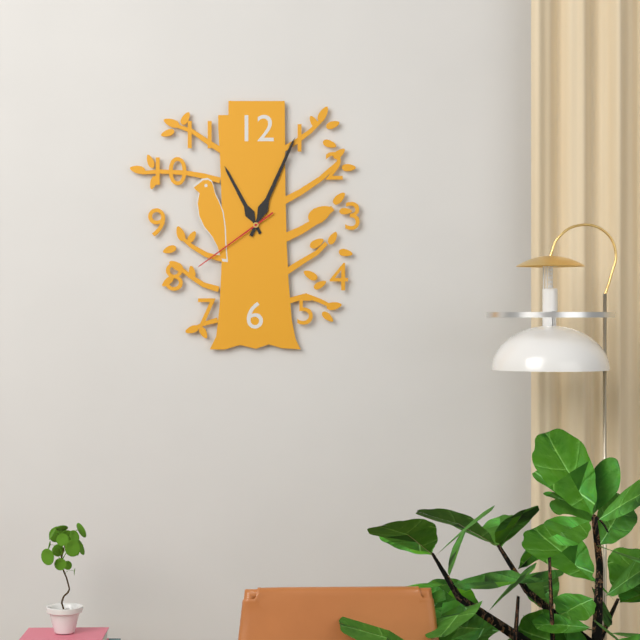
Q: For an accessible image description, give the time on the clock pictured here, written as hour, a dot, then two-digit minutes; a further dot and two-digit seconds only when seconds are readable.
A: 11.04.39
